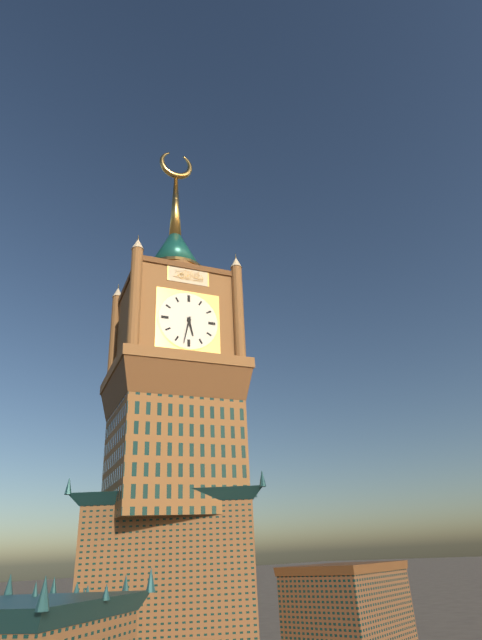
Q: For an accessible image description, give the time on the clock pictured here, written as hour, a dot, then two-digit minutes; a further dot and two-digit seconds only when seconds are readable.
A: 5.32
